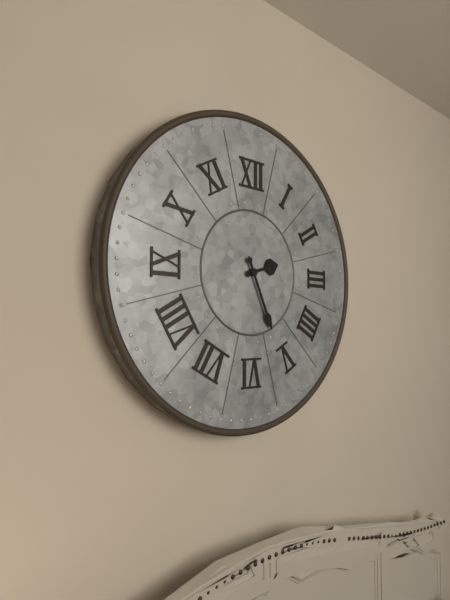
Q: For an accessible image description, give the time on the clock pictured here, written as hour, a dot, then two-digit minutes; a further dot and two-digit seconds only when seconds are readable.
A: 2.26
